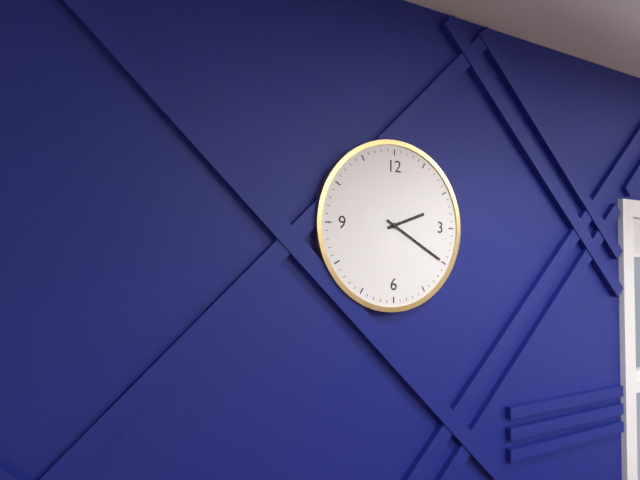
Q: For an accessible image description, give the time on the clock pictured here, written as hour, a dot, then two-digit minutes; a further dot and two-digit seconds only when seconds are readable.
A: 2.20
